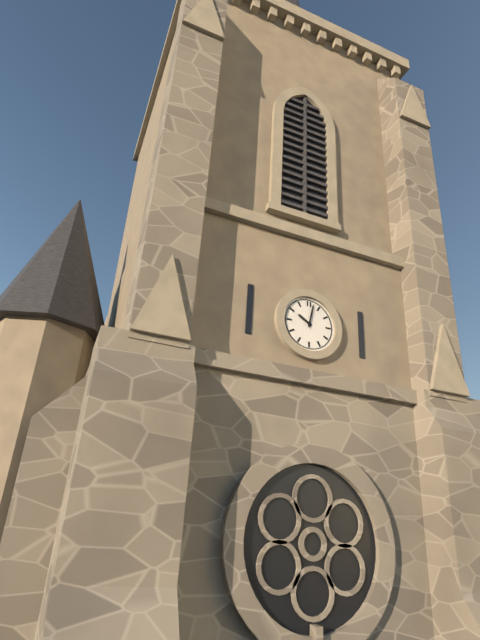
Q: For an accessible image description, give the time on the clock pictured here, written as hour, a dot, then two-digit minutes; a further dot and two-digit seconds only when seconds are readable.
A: 10.02
